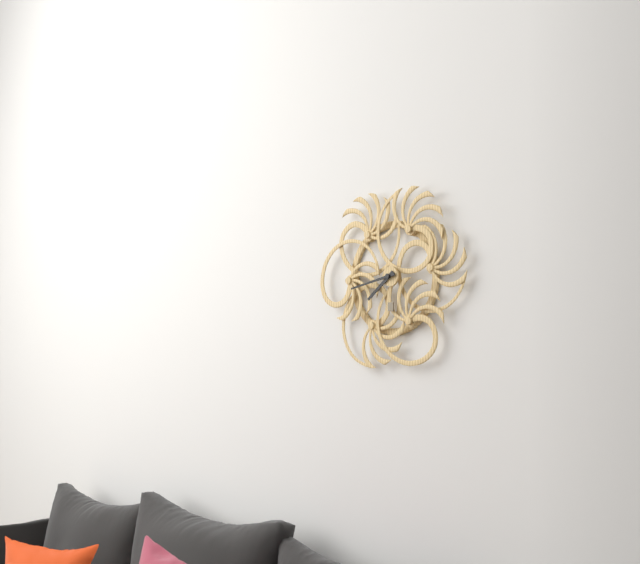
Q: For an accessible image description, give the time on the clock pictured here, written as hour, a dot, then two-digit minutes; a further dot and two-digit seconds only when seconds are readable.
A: 7.43
